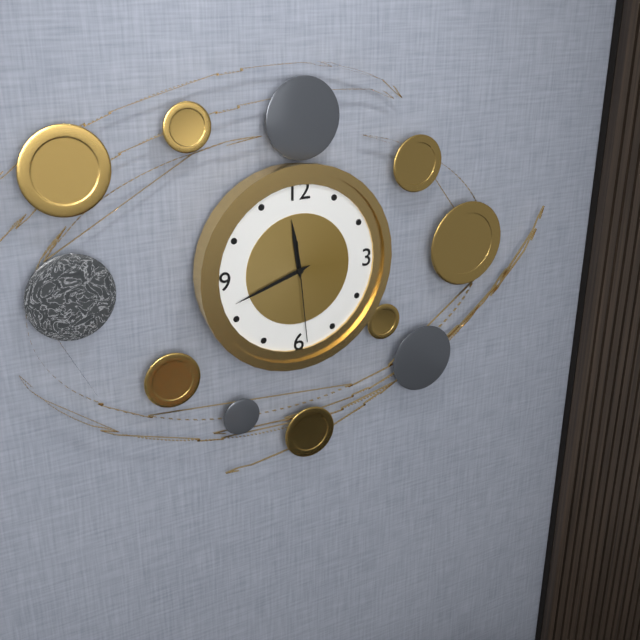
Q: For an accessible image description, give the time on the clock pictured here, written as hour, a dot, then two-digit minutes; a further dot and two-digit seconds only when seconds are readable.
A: 11.42.29
